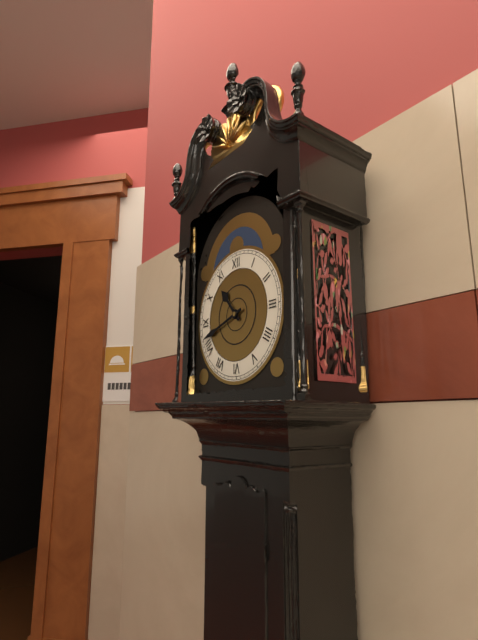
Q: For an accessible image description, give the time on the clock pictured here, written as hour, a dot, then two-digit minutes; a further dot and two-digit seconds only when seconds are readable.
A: 10.42
